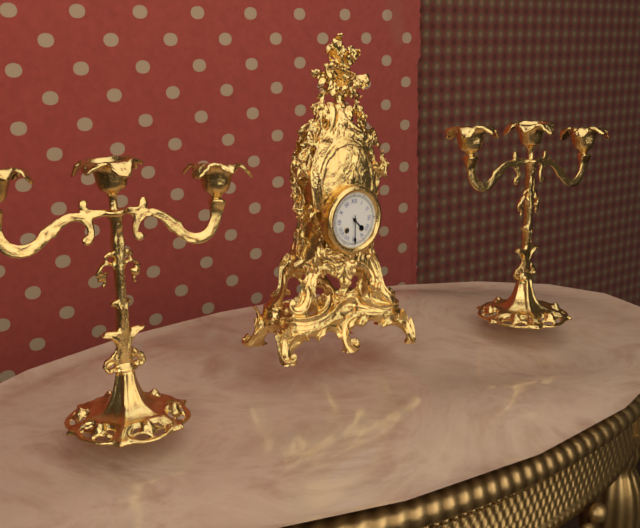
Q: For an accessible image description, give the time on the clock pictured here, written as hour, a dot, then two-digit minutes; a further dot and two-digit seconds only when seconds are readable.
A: 4.30
